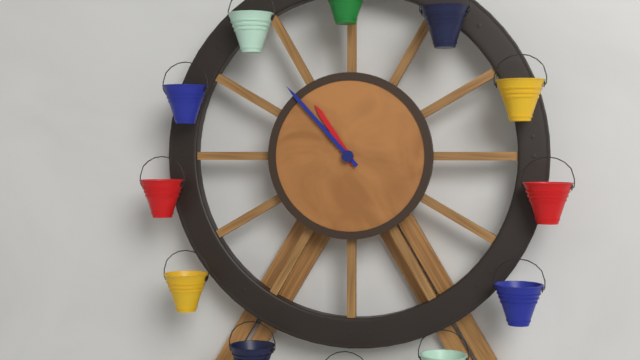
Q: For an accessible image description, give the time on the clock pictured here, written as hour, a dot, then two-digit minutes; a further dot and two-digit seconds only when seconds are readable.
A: 10.53
